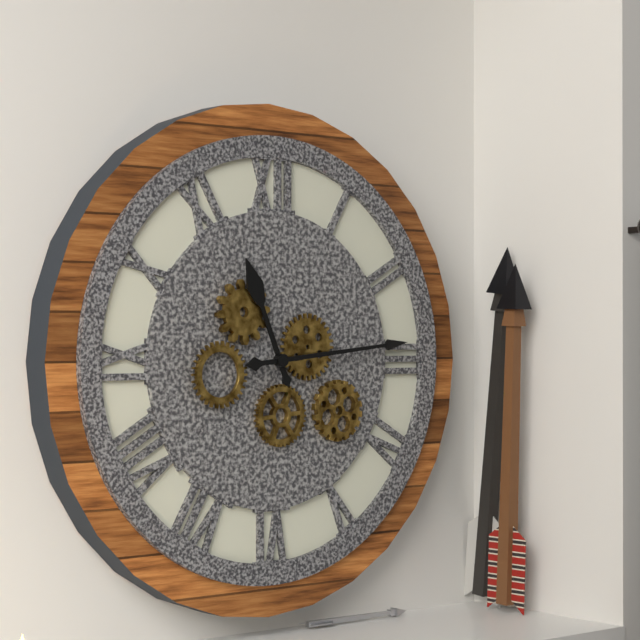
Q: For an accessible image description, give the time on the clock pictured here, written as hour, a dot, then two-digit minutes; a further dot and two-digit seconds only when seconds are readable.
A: 11.14
